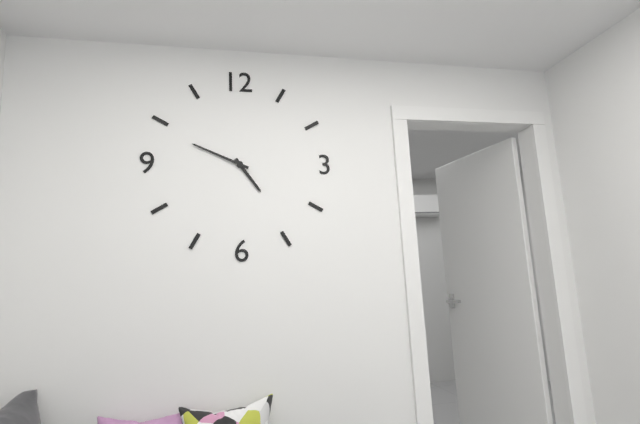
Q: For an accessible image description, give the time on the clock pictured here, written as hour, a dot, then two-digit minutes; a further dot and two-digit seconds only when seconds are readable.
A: 4.49
